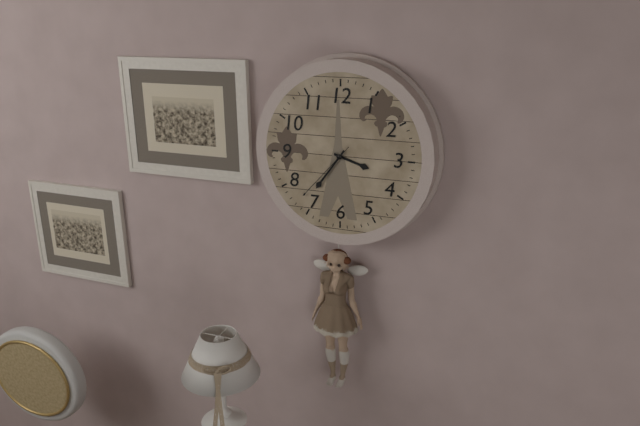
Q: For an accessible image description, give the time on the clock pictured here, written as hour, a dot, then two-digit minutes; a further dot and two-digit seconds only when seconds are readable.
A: 3.36.37
